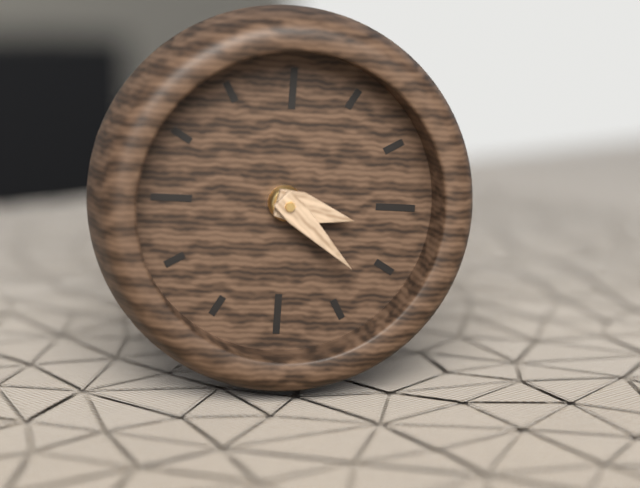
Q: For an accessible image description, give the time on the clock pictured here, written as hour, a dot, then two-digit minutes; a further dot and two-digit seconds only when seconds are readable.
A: 3.22
